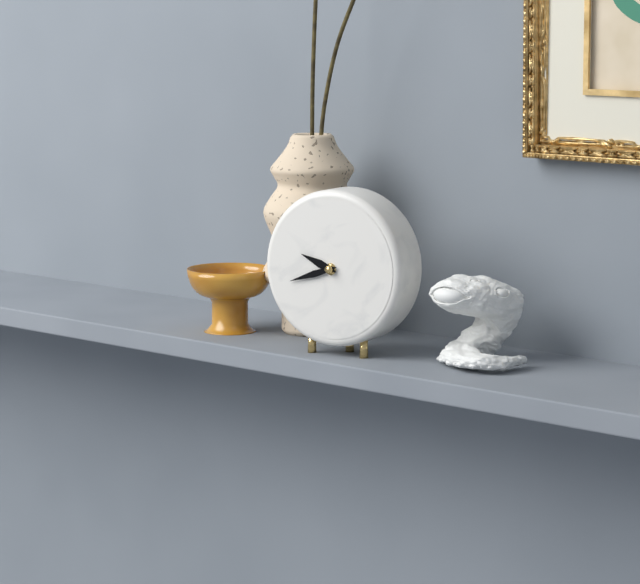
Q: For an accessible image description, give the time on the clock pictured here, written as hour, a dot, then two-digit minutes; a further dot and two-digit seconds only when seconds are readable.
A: 9.42
